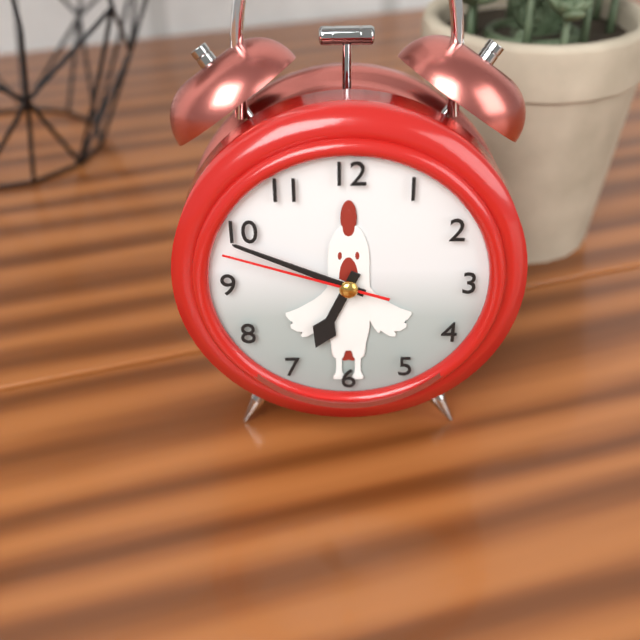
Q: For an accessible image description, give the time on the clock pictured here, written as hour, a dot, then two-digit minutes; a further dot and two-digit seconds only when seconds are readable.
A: 6.49.48
